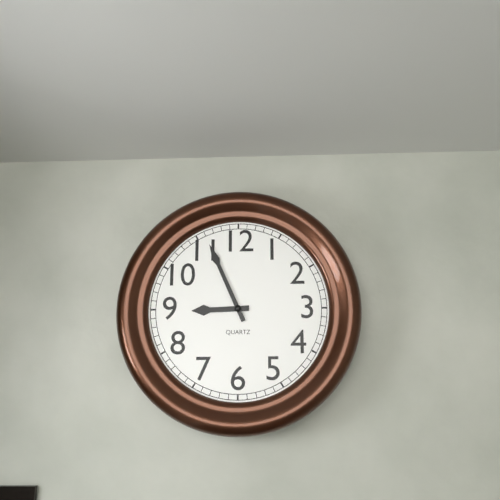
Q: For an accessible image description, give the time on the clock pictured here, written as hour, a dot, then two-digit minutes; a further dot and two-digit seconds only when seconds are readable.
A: 8.56
